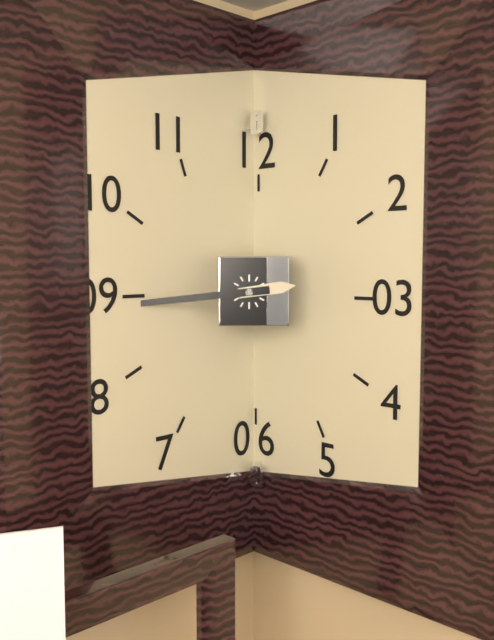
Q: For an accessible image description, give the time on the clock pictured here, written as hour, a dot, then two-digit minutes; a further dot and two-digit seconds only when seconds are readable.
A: 2.44
